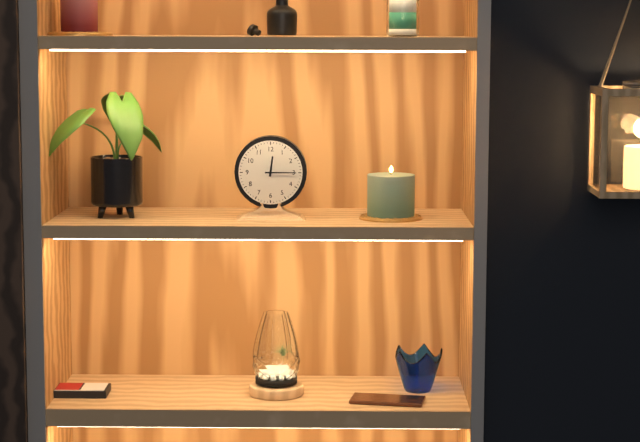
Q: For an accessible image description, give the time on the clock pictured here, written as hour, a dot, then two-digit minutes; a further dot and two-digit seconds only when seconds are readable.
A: 12.15
